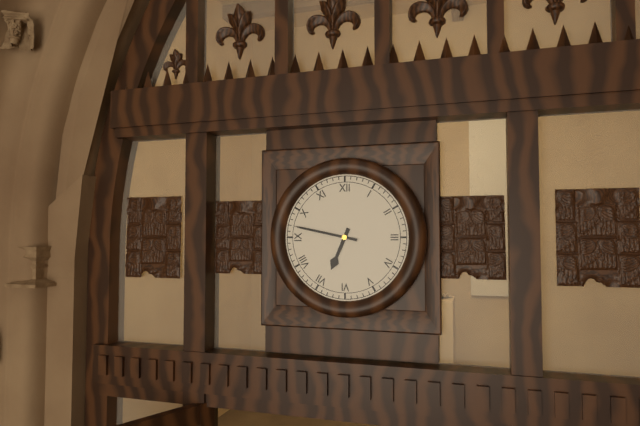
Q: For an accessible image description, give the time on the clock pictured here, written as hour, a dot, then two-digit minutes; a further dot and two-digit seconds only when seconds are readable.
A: 6.47
